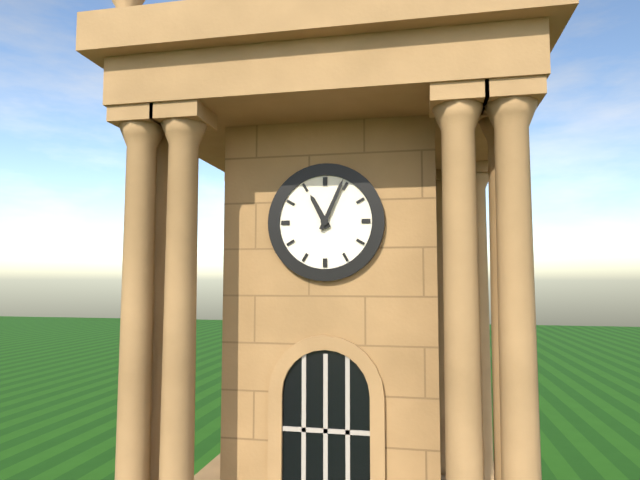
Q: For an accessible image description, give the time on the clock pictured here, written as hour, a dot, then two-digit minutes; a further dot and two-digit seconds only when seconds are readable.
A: 11.04
